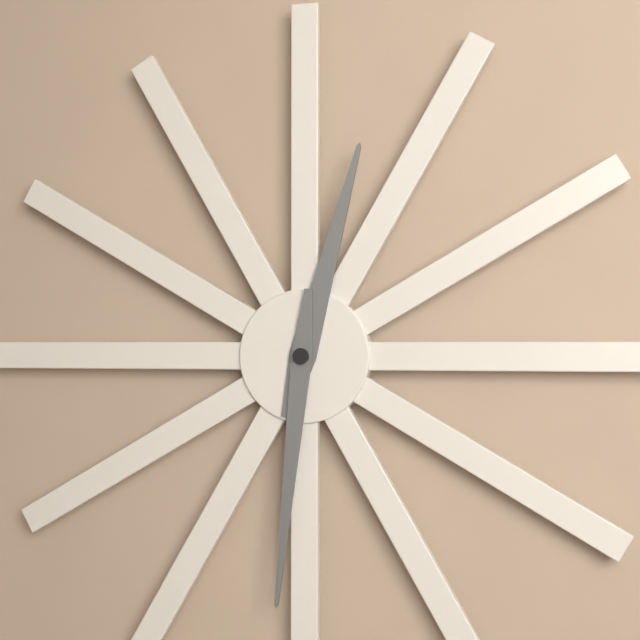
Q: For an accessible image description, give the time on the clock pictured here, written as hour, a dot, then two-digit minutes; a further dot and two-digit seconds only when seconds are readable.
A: 12.31
